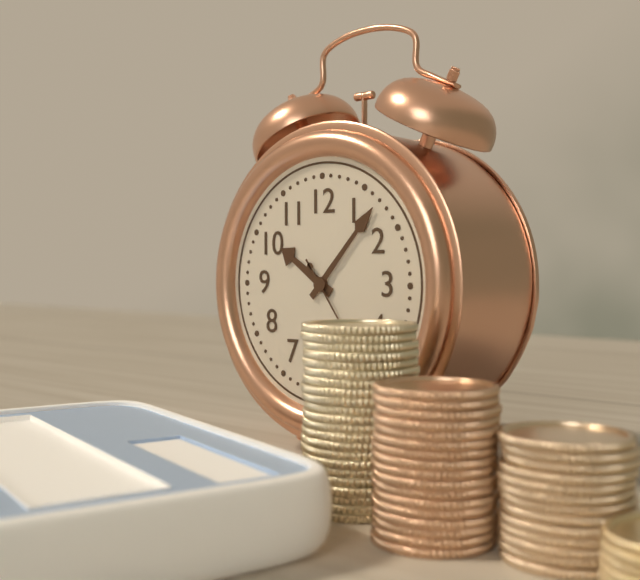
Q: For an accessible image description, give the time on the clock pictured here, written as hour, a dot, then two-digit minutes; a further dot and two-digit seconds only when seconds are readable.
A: 10.07
